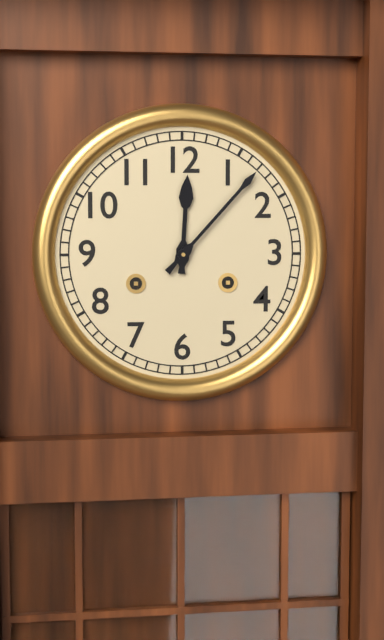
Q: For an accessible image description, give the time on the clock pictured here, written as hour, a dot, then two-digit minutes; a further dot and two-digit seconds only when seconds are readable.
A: 12.07
